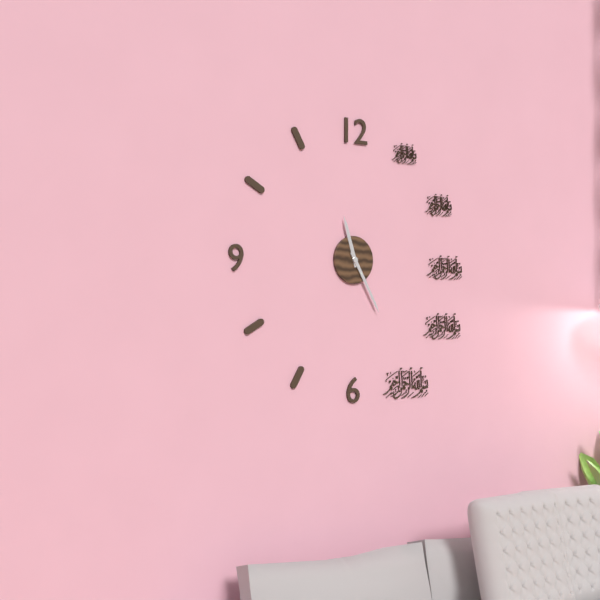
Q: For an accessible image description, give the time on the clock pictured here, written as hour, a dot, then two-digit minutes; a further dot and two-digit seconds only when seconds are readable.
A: 11.25
